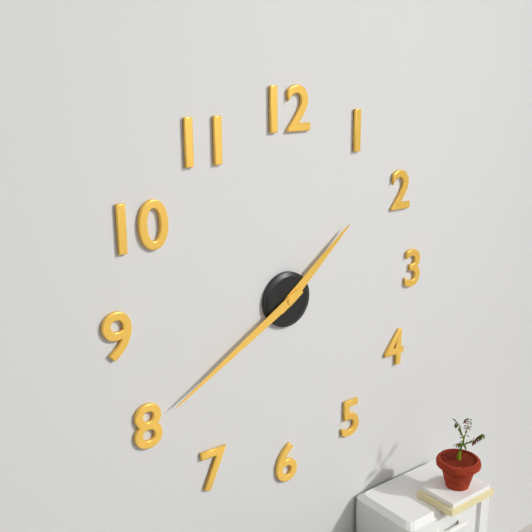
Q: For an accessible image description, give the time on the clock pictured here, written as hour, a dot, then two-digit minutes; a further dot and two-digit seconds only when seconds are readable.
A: 1.40
